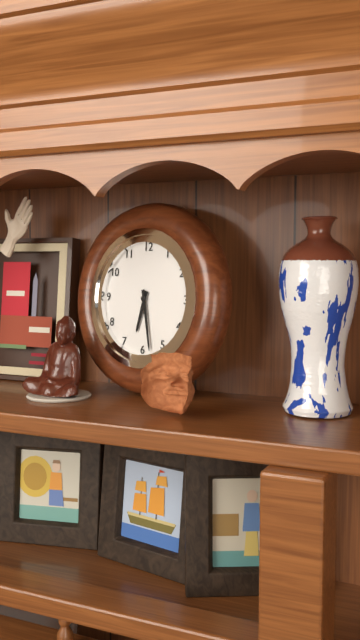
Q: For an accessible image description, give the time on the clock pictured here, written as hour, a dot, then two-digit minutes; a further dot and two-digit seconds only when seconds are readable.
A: 6.28
